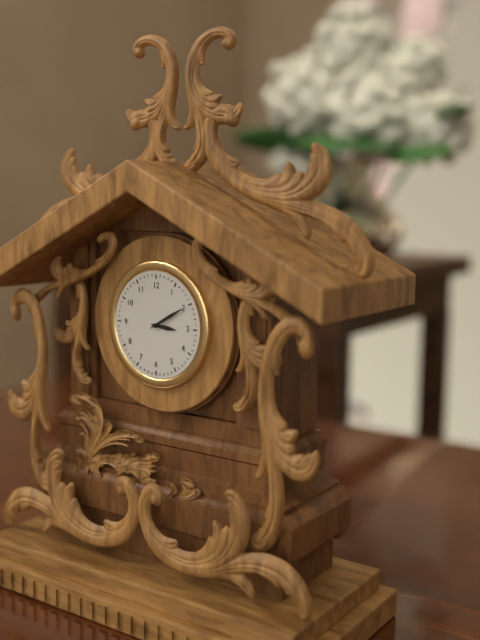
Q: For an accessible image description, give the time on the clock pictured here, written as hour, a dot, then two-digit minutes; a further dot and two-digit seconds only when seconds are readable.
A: 3.10
